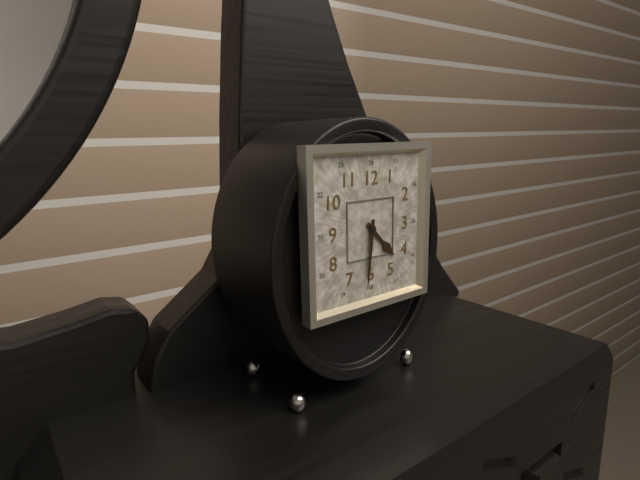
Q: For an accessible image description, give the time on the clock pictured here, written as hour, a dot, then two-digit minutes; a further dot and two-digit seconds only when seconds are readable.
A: 4.31
